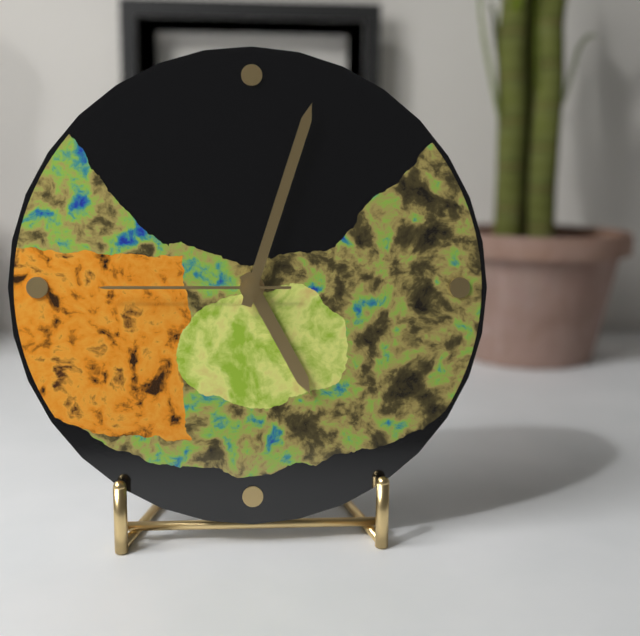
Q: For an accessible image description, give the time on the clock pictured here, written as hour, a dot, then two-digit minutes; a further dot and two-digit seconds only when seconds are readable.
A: 5.03.45
